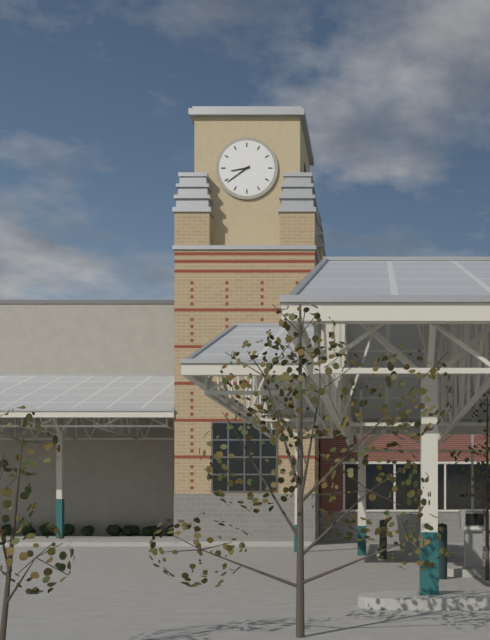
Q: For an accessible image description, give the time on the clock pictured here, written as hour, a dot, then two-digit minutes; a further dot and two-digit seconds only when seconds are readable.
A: 8.39
